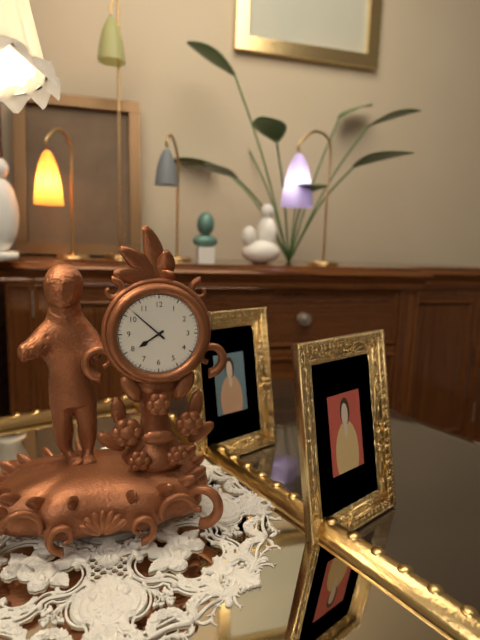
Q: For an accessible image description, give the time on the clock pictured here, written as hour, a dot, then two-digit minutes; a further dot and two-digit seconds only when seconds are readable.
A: 7.52
